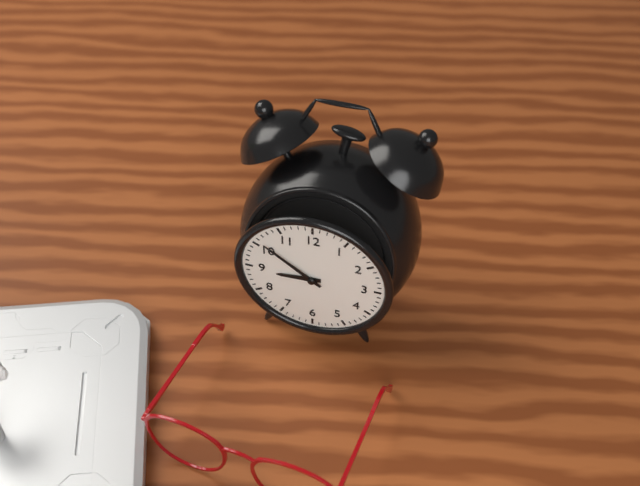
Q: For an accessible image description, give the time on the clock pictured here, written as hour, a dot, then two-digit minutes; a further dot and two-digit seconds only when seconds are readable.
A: 8.51
